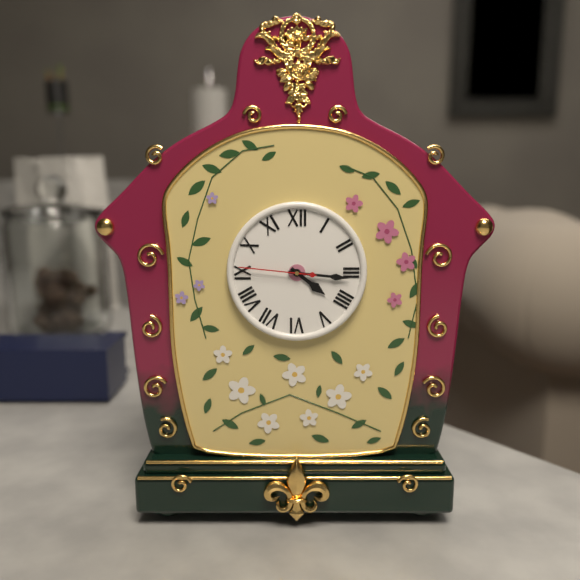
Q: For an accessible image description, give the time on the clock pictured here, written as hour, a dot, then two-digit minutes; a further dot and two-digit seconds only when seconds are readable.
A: 4.16.46
